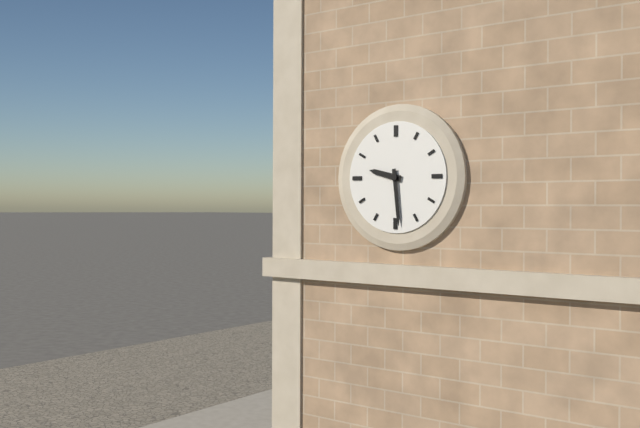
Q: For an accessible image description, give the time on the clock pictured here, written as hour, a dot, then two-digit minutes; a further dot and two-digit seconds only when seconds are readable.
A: 9.29
